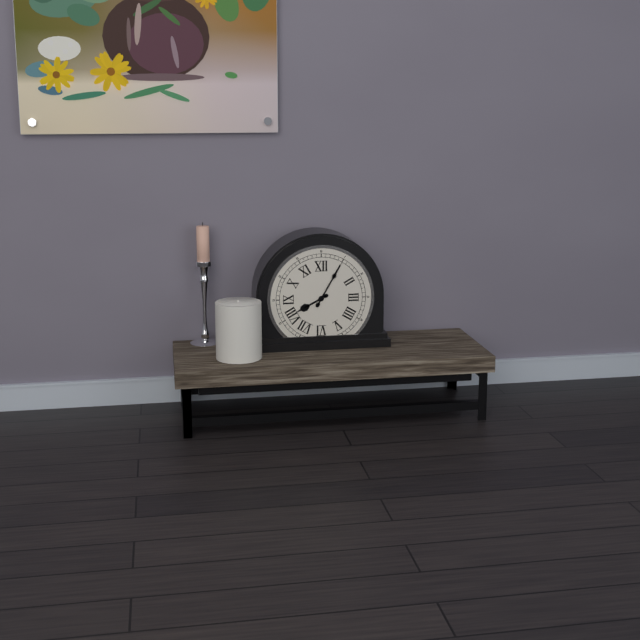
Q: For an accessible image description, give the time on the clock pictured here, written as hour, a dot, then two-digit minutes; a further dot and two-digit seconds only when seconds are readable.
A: 8.05
